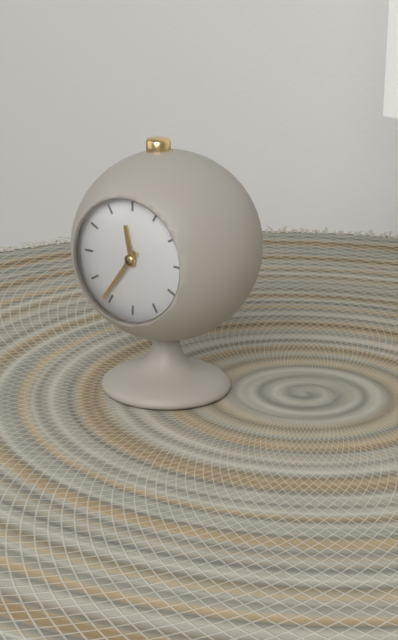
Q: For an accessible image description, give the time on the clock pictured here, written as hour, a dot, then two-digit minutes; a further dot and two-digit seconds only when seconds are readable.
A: 11.36
